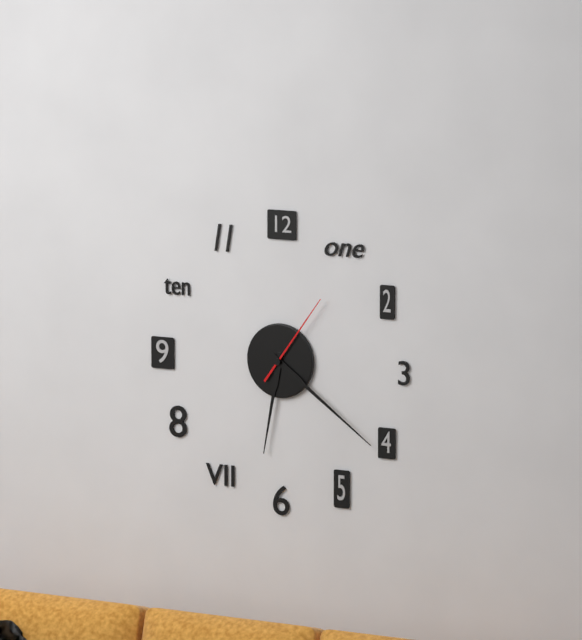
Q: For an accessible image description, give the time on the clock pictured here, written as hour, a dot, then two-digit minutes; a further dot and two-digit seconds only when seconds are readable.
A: 6.21.06
